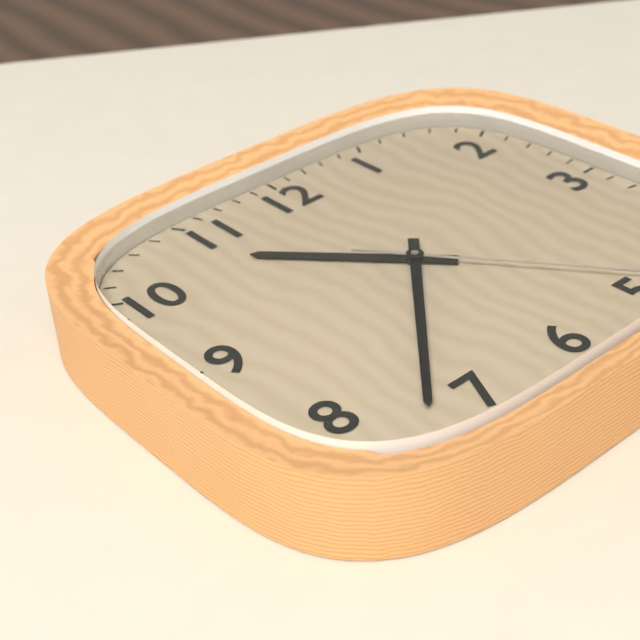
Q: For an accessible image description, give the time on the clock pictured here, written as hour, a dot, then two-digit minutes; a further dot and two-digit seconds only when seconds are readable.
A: 10.37
